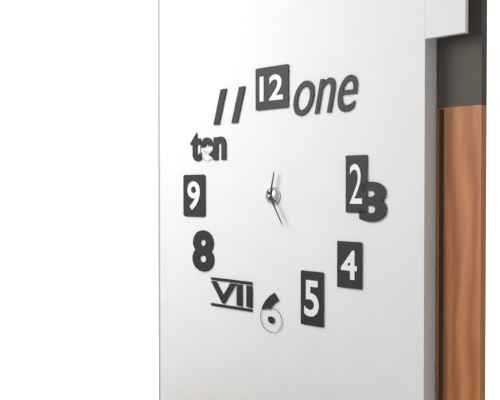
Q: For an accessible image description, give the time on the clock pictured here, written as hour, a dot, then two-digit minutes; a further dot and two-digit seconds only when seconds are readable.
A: 12.25
